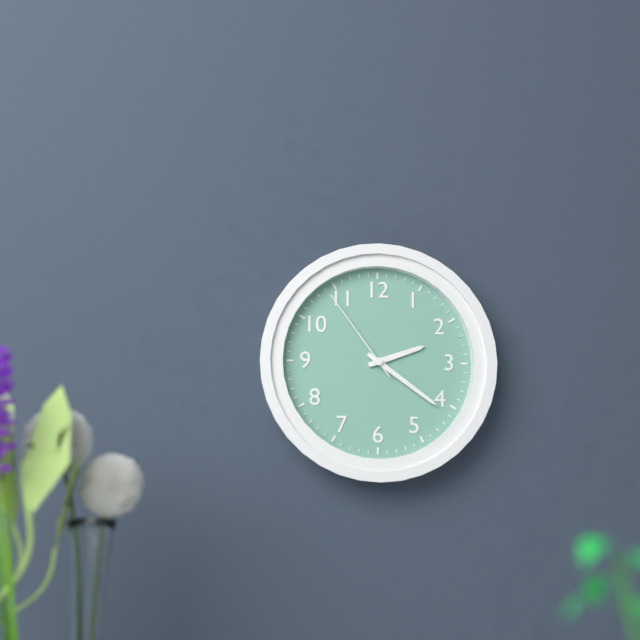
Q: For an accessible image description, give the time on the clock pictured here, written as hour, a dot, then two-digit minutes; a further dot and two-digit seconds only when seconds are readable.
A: 2.21.54
